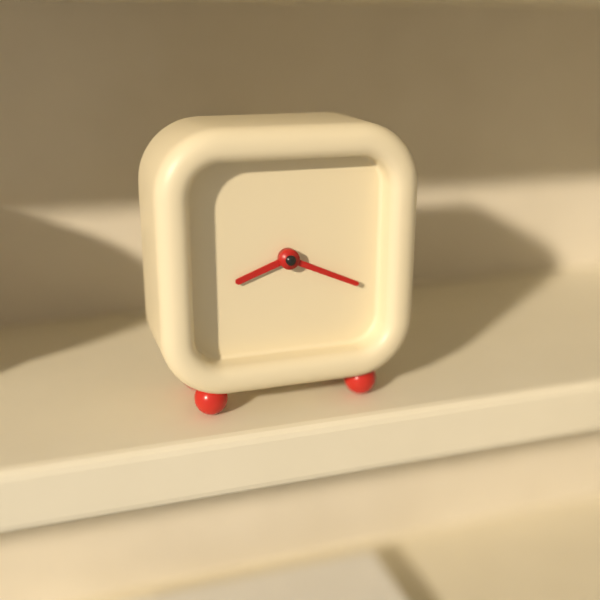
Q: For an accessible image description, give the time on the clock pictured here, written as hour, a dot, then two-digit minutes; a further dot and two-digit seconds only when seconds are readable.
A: 8.19
